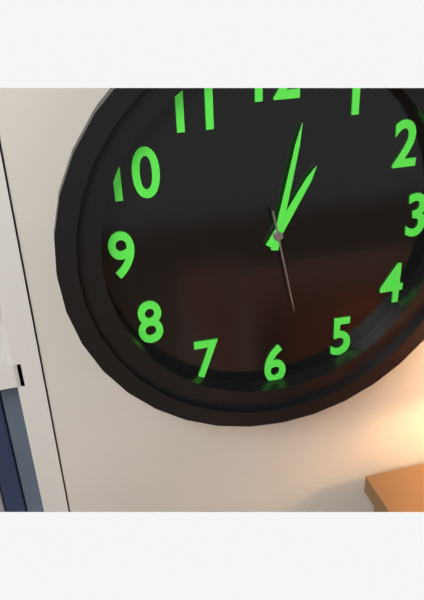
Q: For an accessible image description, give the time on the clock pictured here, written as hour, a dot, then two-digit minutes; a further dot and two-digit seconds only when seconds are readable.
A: 1.02.28
